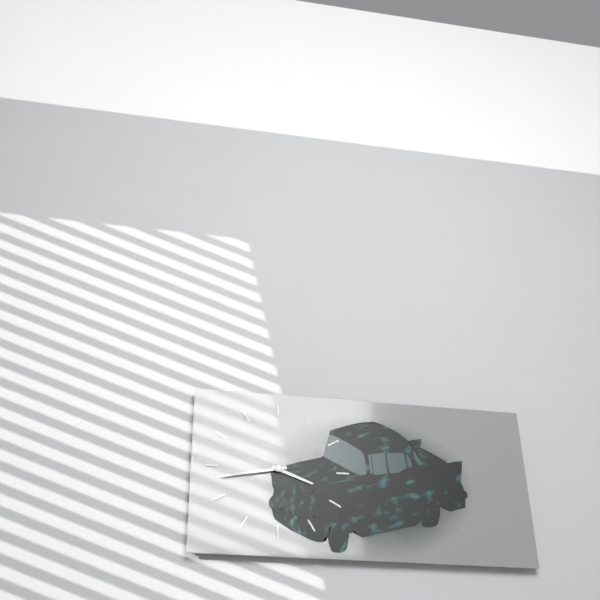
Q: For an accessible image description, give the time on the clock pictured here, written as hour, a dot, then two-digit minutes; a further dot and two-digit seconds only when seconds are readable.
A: 3.43
